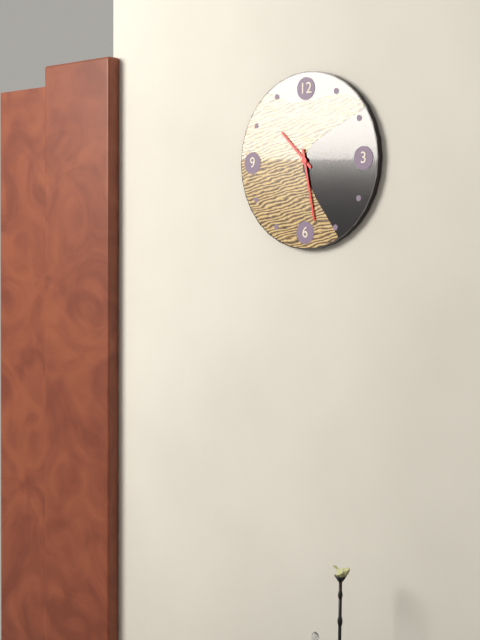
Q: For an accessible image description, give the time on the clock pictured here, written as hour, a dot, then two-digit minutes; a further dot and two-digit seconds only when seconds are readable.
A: 10.28
